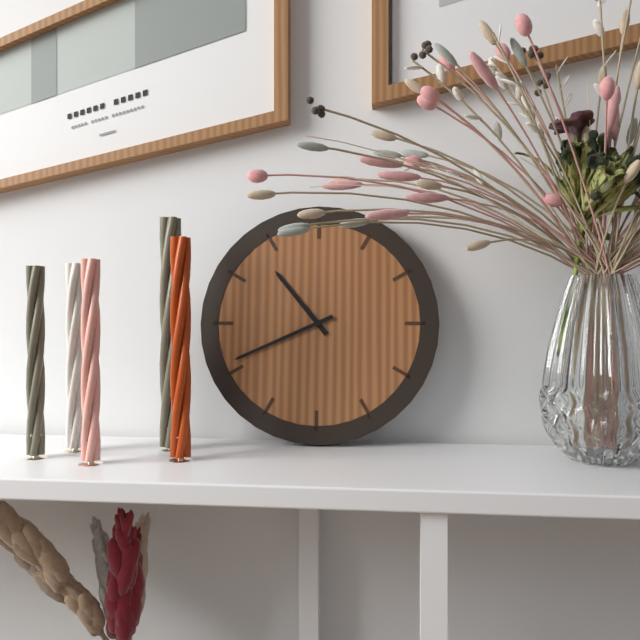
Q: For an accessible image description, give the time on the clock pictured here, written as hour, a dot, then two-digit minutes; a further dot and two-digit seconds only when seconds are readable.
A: 10.41
